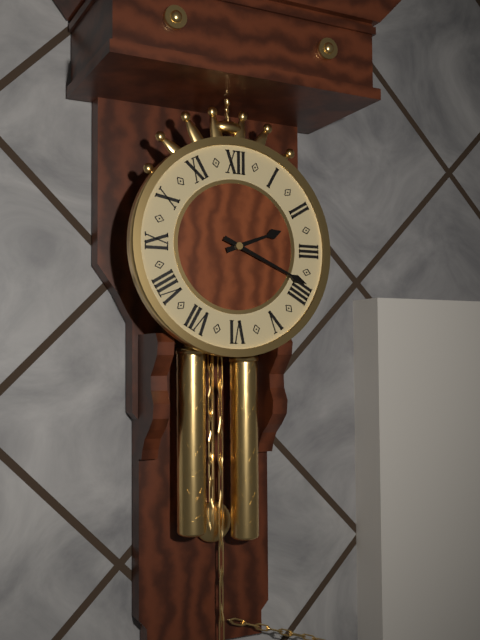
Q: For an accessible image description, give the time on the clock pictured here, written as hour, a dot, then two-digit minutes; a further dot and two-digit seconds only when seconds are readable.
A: 2.19
